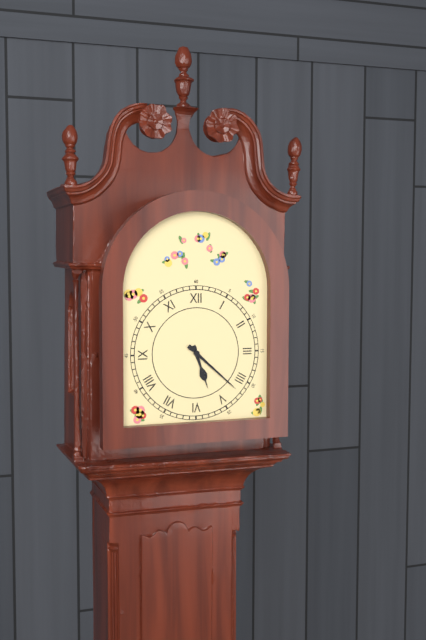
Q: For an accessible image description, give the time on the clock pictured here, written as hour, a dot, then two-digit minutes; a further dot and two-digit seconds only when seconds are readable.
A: 5.22
